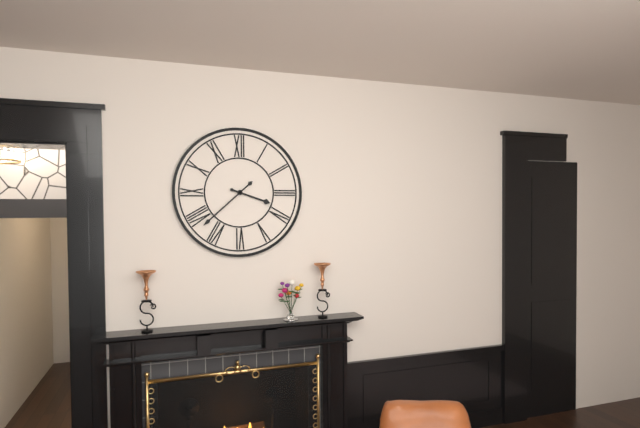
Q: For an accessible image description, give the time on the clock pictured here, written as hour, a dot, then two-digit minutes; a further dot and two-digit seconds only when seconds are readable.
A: 3.38
